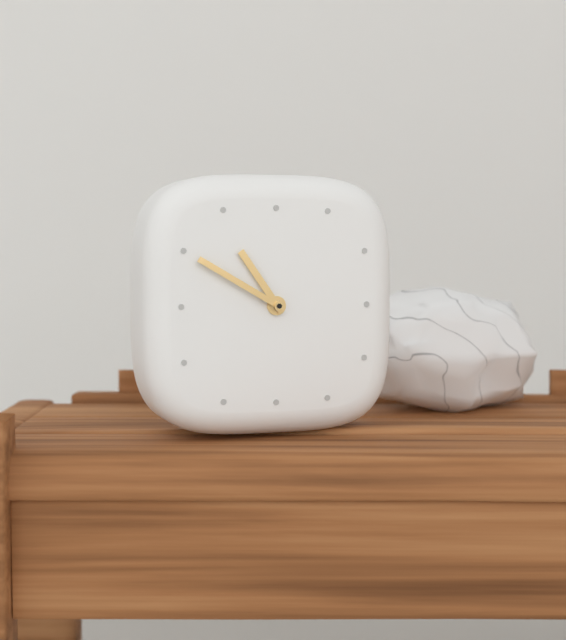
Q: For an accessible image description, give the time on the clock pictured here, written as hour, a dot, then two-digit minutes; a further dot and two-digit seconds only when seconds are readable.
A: 10.50
